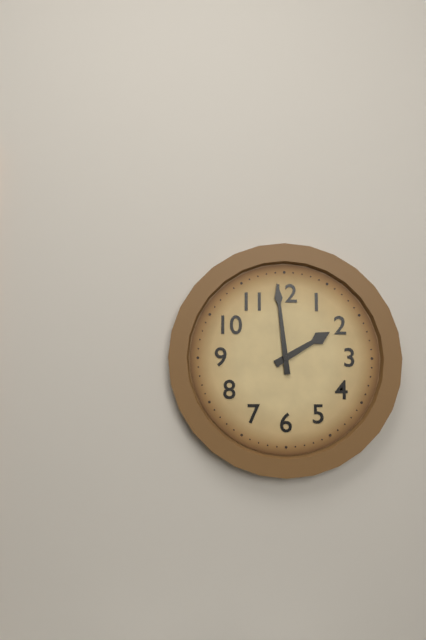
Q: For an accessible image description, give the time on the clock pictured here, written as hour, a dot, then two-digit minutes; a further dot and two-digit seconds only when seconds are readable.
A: 1.59
